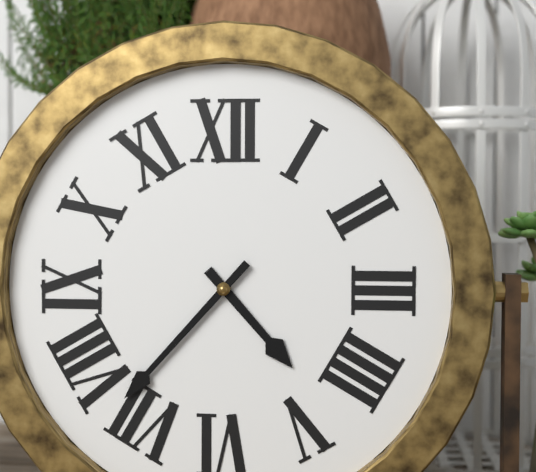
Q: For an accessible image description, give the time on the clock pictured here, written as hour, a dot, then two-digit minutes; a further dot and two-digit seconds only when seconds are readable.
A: 4.37
